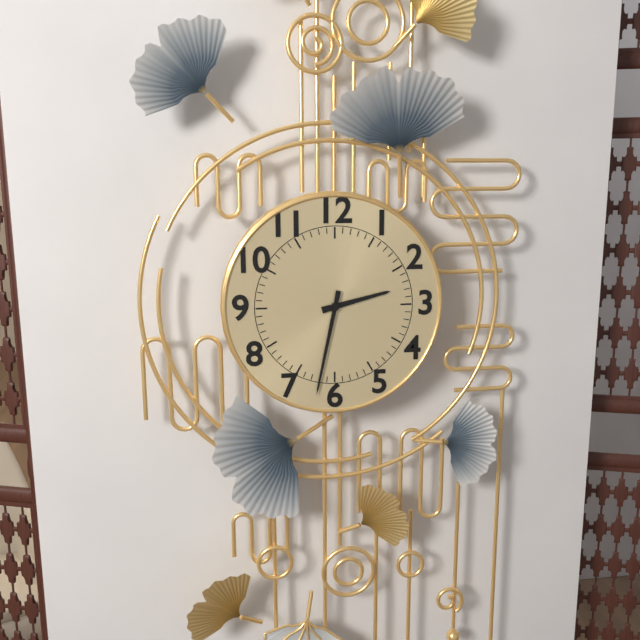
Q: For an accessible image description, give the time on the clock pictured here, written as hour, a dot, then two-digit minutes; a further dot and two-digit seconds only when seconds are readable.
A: 2.32
